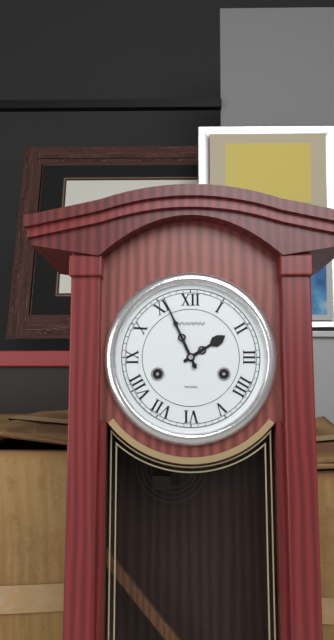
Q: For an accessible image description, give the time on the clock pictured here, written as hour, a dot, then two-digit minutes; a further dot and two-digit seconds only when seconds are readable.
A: 1.56
